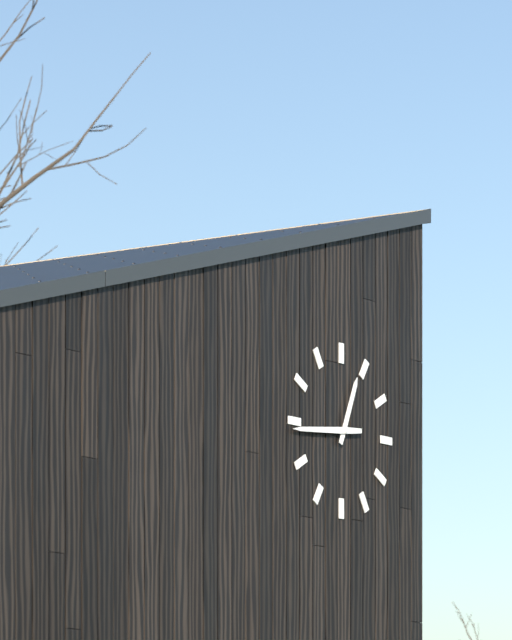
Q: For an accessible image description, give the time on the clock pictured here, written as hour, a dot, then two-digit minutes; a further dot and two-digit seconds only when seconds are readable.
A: 12.44
